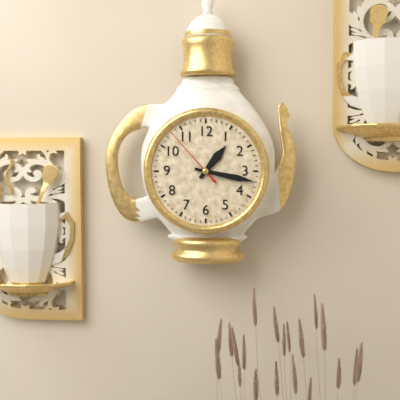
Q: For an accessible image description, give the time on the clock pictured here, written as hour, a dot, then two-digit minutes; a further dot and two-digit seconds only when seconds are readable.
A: 1.17.53
